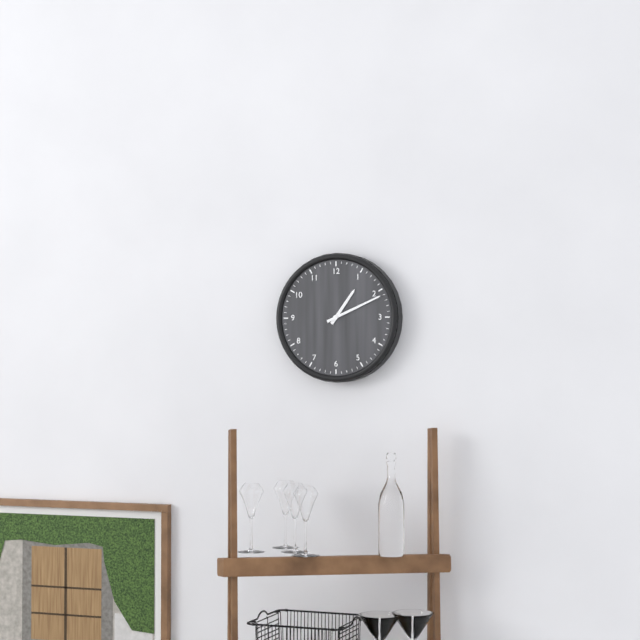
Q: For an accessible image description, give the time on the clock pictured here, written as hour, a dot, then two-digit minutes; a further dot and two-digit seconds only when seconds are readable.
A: 1.11
